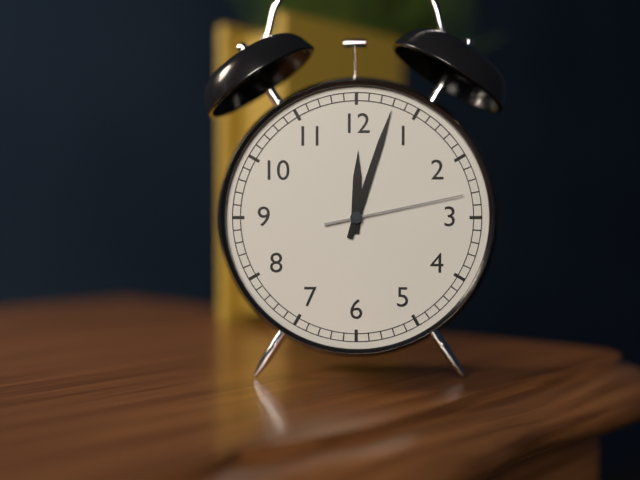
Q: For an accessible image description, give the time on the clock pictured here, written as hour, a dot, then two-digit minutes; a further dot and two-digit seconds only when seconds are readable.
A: 12.03.13
